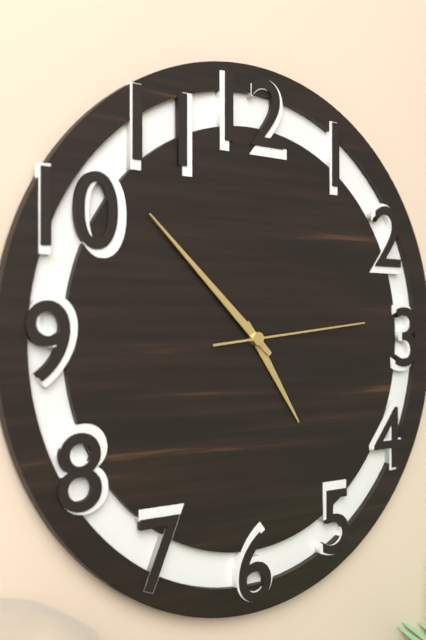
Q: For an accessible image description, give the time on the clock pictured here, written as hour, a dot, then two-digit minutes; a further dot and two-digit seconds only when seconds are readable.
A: 4.52.14
